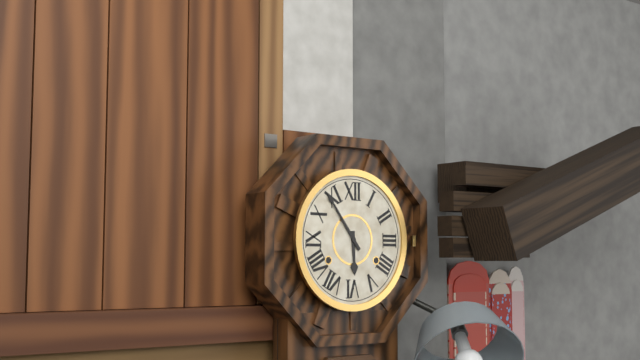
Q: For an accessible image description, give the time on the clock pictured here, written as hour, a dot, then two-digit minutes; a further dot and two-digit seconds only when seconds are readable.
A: 5.54
